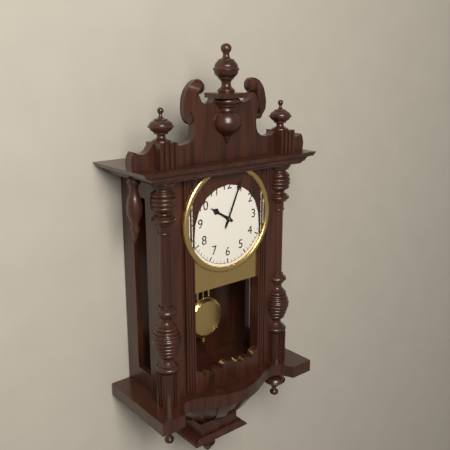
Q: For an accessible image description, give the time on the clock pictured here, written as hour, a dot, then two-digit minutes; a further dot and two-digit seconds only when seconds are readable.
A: 10.04
